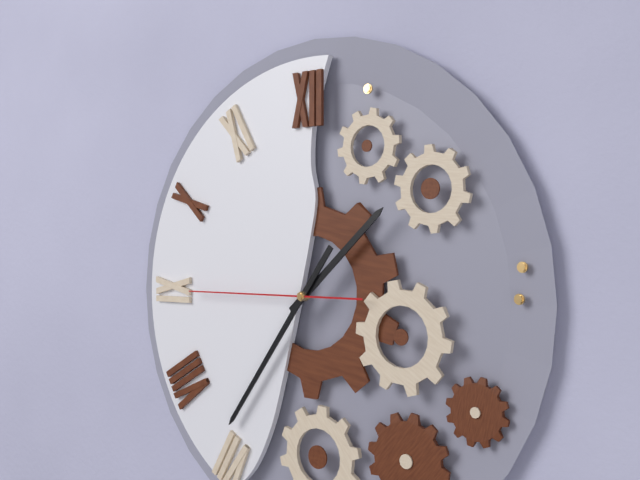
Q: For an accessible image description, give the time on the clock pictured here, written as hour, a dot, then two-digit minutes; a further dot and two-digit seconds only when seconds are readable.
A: 1.36.45
